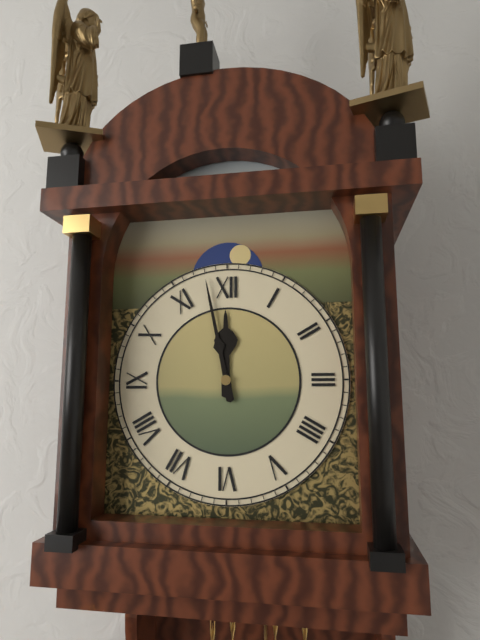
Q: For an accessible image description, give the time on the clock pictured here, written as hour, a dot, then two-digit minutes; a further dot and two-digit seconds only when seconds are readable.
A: 11.58
